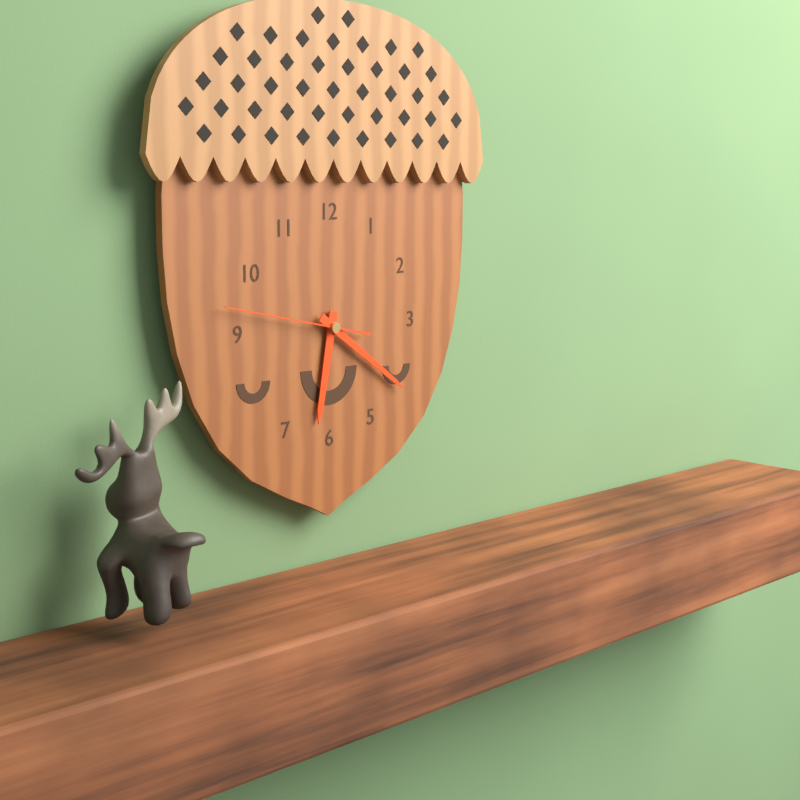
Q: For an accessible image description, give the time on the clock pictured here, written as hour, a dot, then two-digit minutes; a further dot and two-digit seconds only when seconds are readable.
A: 6.21.47
